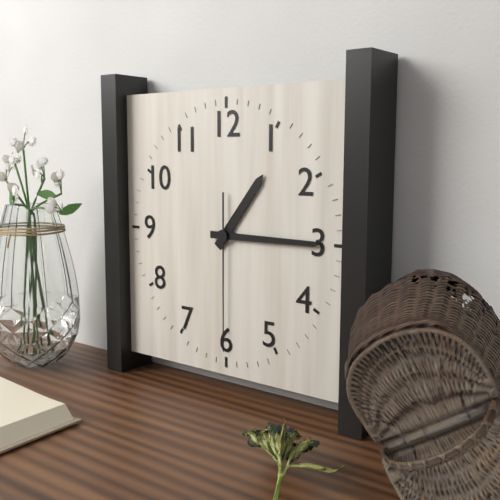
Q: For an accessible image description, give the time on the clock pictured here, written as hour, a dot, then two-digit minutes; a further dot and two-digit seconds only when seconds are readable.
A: 1.15.30
